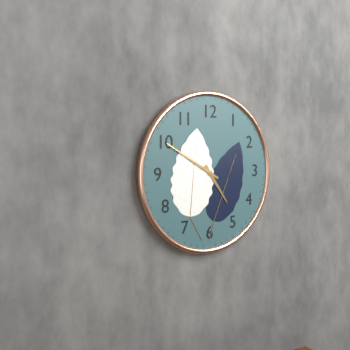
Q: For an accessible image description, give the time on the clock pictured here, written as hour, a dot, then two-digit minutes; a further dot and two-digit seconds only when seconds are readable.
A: 4.50
